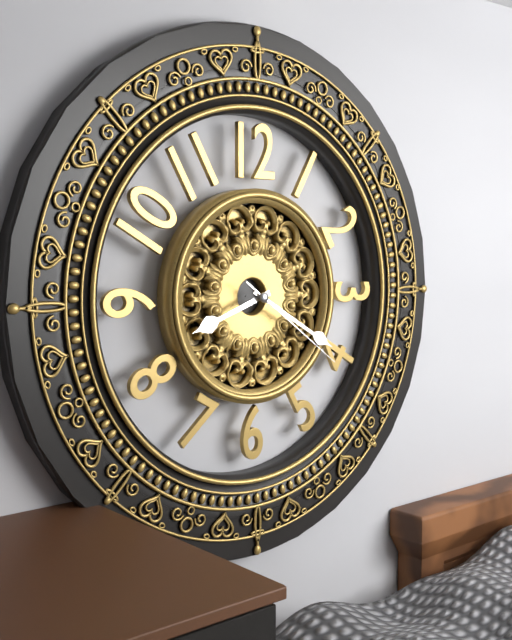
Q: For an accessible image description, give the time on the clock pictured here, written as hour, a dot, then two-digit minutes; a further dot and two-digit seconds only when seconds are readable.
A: 8.20.21
